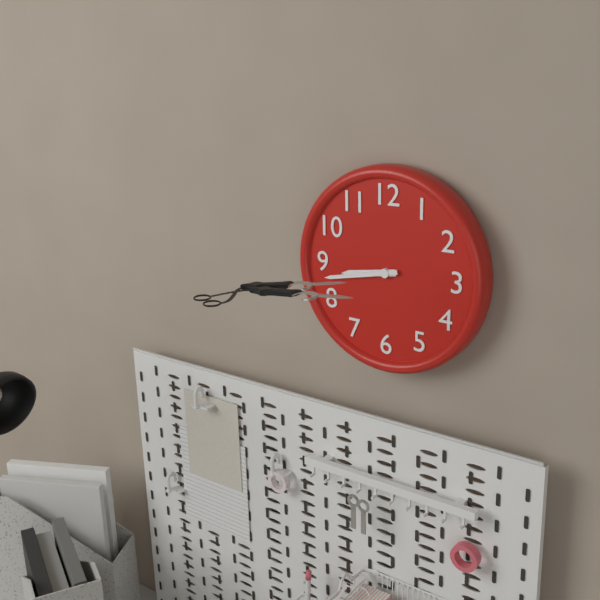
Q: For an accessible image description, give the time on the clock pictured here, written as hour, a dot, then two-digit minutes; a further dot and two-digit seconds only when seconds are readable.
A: 8.43
